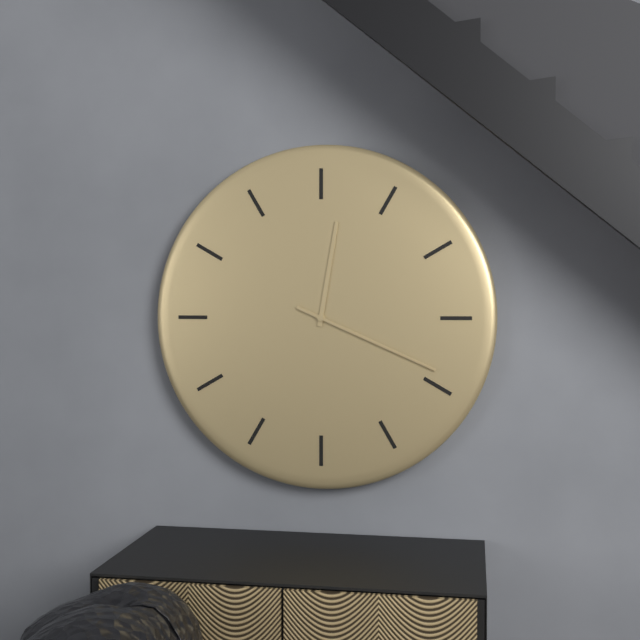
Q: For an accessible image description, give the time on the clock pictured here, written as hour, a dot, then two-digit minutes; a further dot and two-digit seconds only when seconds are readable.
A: 12.19
